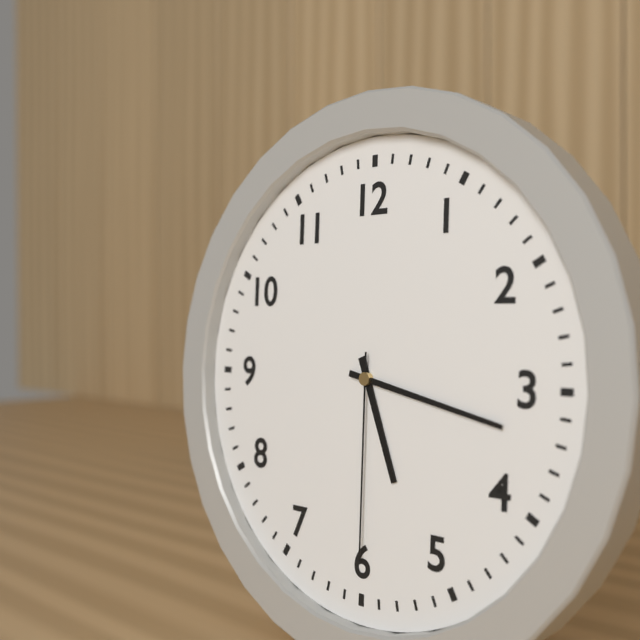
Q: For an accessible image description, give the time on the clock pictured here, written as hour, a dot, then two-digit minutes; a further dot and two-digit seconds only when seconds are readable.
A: 5.17.30
